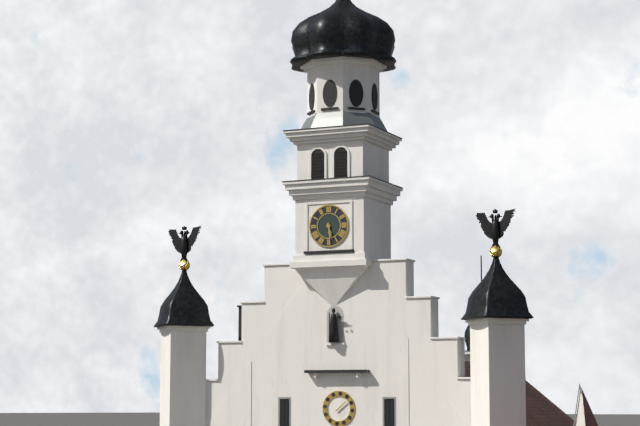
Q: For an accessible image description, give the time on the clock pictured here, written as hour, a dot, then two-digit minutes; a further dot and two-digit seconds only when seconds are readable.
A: 5.29
